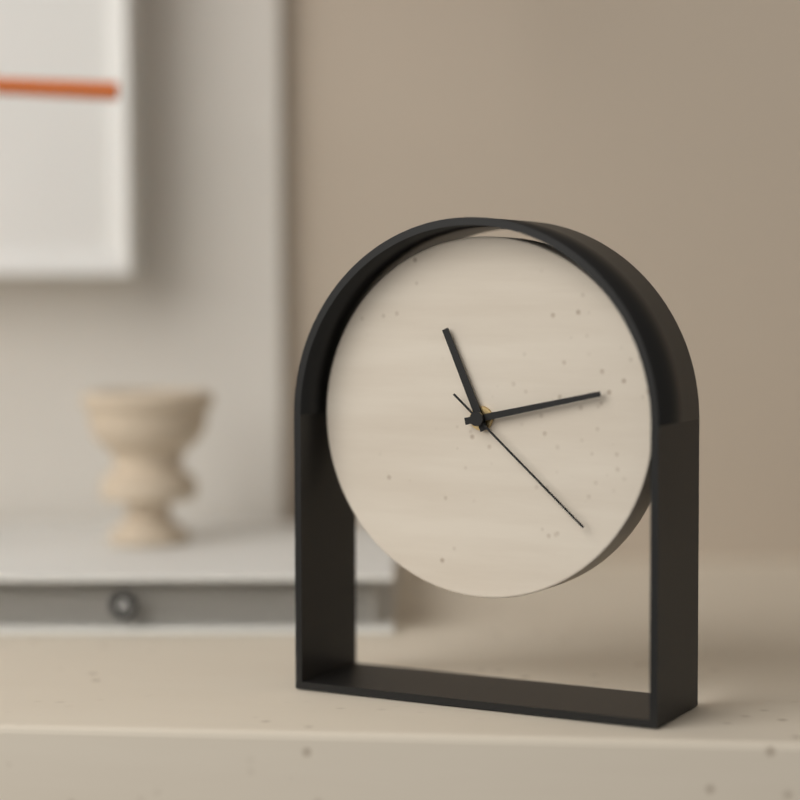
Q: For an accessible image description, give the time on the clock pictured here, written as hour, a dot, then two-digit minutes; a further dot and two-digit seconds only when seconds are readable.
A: 11.13.22
